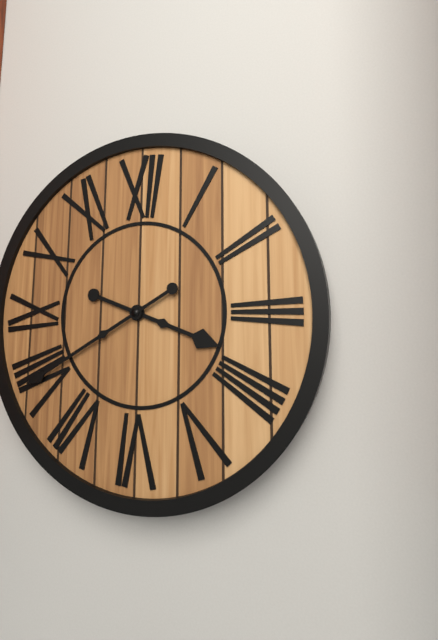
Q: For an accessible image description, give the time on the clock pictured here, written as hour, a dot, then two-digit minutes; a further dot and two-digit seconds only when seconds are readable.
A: 3.40
